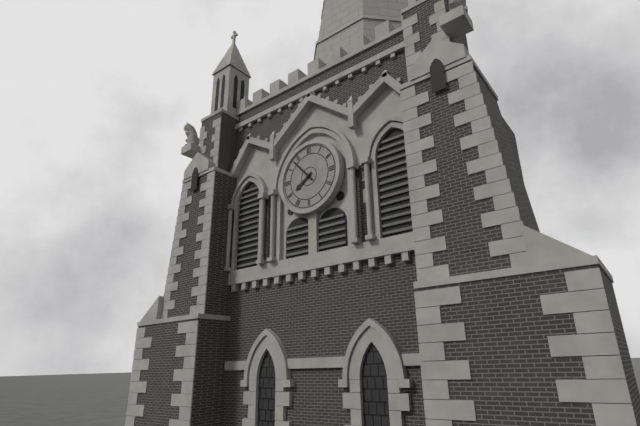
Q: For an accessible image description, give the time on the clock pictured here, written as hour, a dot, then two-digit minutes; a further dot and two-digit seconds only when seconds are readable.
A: 7.53
